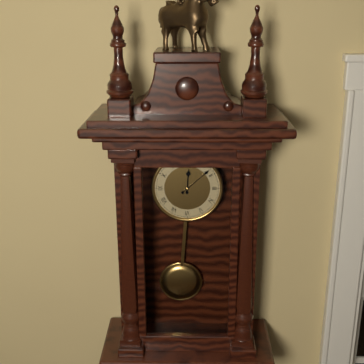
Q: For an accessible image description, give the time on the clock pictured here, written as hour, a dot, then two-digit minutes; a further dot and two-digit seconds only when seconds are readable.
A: 12.08
